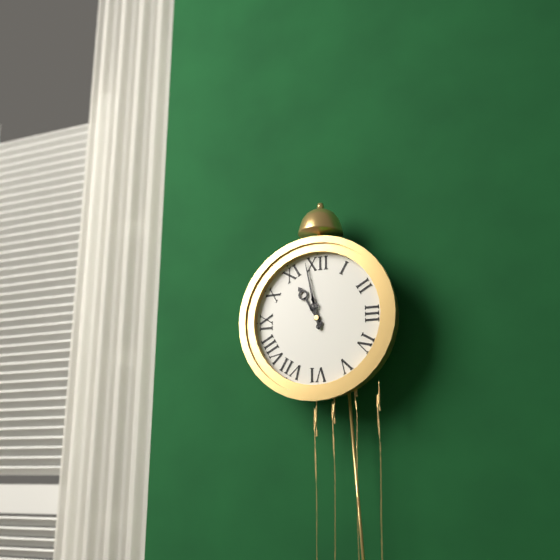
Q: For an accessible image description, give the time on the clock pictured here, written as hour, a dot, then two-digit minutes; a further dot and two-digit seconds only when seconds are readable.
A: 10.58
